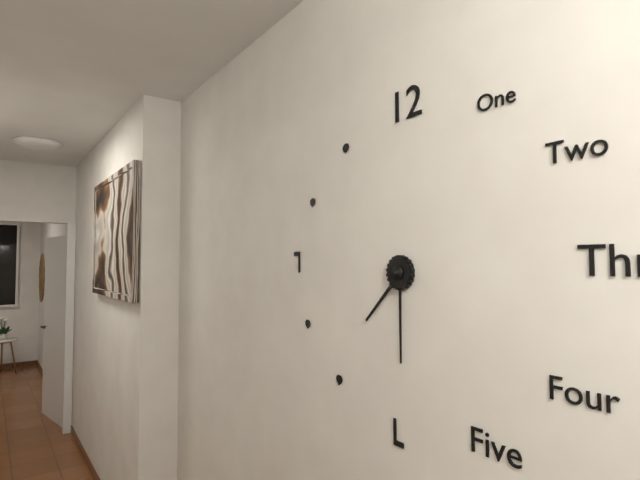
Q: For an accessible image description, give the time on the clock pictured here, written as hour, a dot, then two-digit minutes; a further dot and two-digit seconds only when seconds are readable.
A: 7.30
